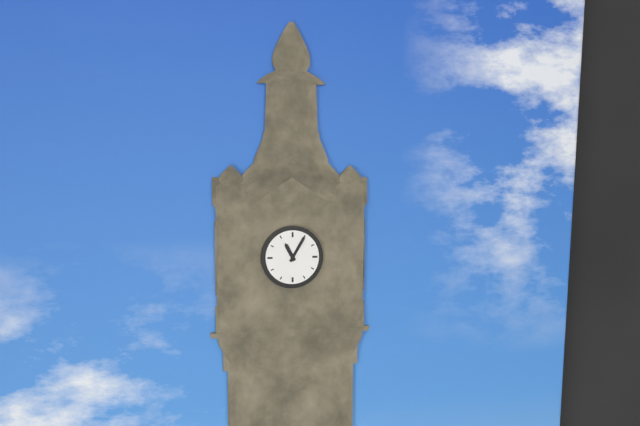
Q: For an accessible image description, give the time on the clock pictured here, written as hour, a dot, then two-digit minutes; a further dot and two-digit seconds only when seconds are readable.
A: 11.05
